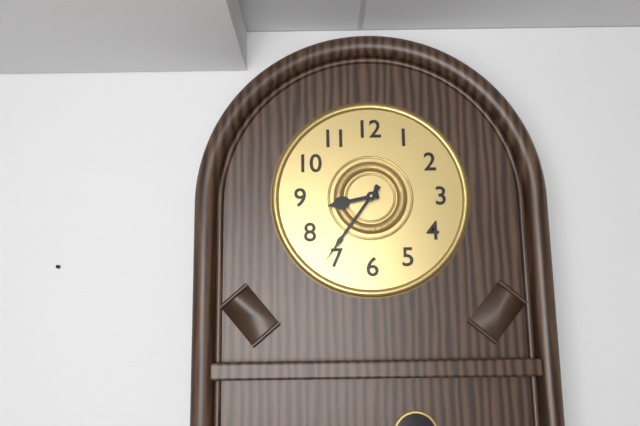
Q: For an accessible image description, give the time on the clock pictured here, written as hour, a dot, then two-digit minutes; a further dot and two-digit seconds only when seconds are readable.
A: 8.36
